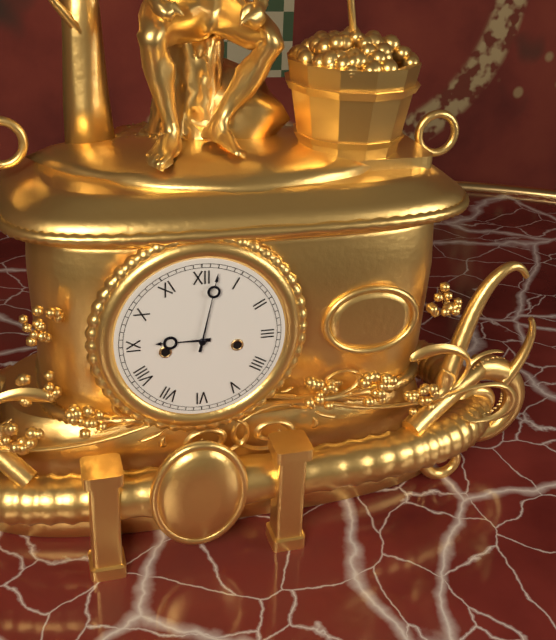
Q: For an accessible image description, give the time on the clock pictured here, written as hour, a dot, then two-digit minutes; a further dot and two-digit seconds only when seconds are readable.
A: 9.02
